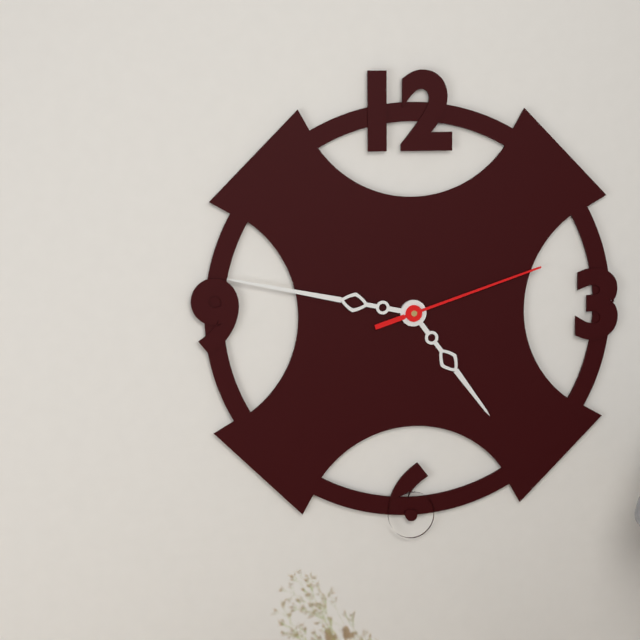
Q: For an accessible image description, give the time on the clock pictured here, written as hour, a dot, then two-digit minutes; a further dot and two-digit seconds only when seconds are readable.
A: 4.47.12
